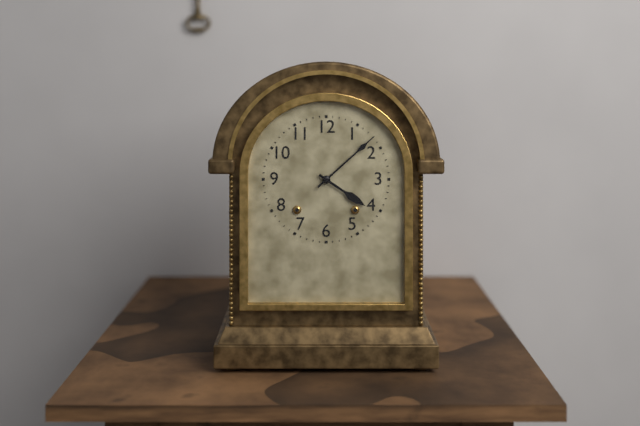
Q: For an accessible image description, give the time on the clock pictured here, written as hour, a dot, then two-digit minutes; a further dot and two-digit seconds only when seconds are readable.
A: 4.08
